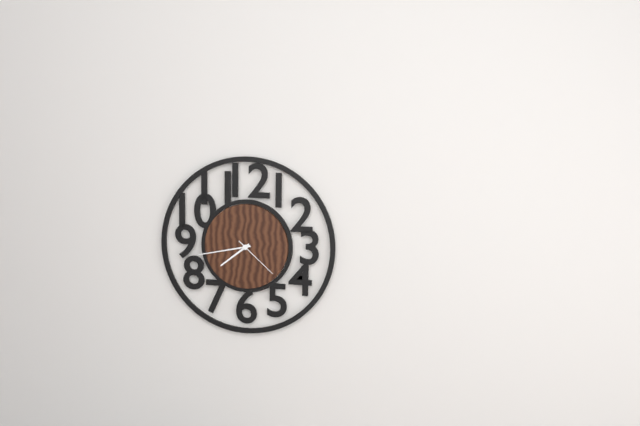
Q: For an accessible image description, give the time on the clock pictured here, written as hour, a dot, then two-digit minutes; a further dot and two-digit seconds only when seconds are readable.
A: 7.43
